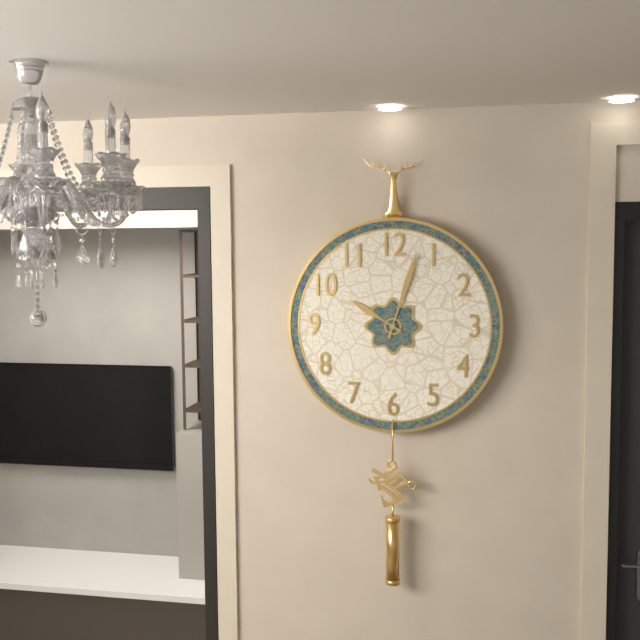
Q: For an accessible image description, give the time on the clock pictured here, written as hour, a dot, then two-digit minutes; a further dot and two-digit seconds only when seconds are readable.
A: 10.03
